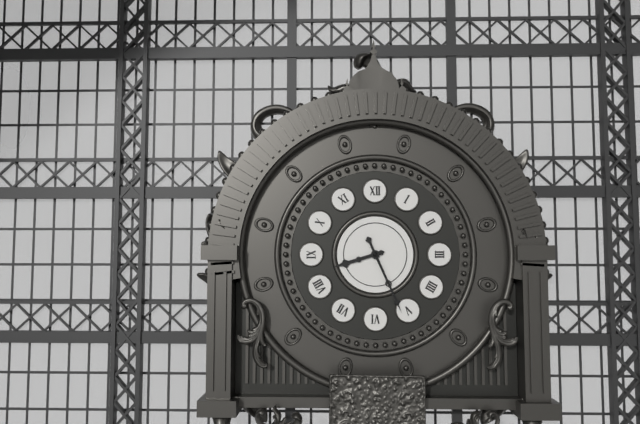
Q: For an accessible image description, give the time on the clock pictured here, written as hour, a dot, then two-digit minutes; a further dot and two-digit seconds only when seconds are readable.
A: 8.26
